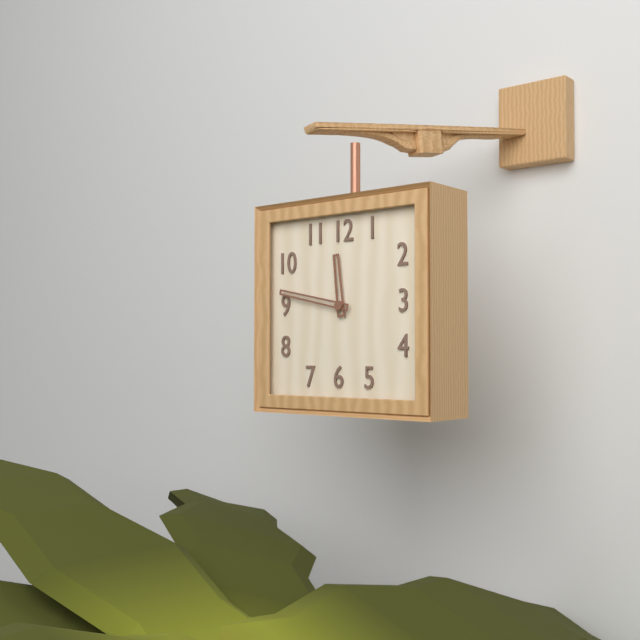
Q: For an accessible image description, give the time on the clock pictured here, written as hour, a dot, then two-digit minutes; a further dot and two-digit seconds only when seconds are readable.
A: 11.47
